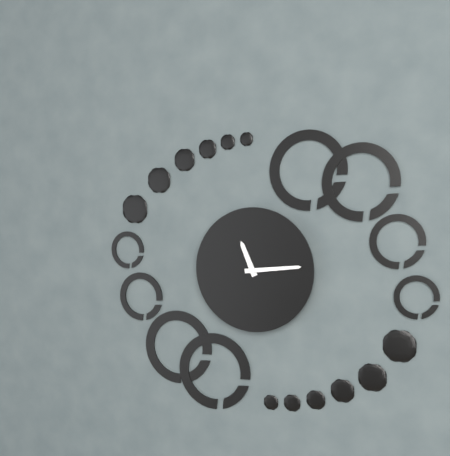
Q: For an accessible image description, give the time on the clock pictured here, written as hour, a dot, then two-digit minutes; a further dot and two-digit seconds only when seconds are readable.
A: 11.14
